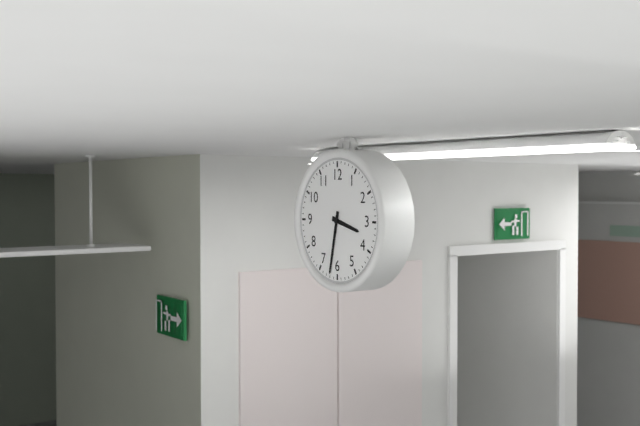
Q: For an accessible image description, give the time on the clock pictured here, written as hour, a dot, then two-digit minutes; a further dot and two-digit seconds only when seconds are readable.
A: 3.32
